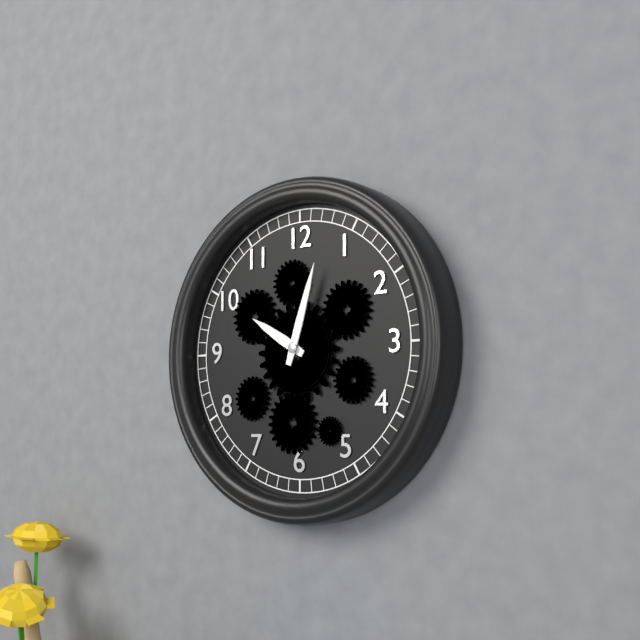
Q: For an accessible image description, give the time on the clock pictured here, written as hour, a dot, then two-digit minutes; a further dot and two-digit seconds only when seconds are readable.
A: 10.03
